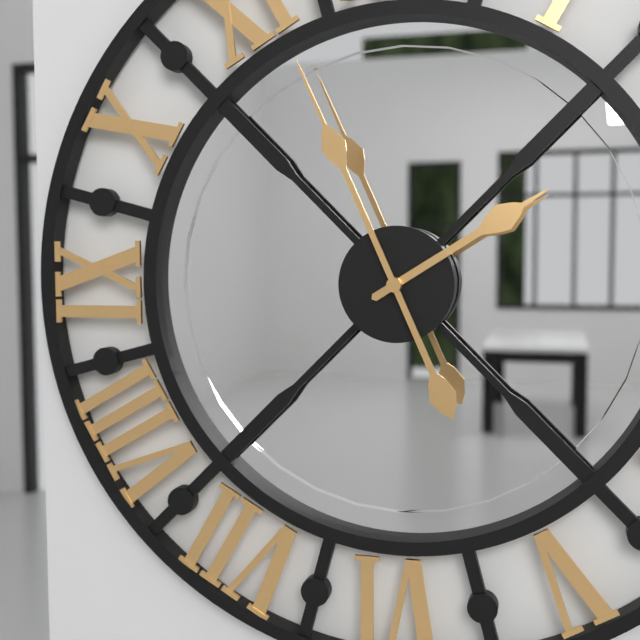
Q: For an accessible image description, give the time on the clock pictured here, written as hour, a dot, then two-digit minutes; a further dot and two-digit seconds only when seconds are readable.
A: 1.56
